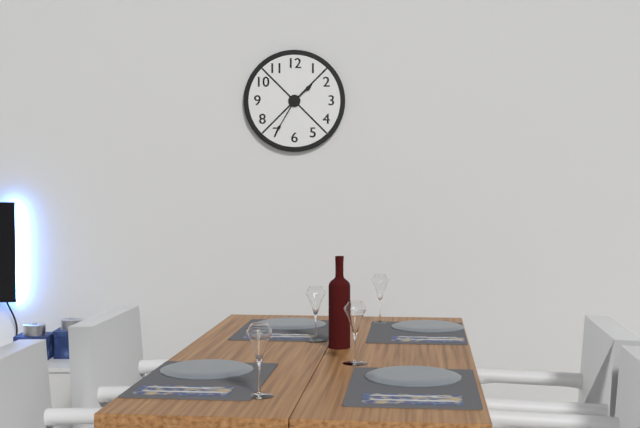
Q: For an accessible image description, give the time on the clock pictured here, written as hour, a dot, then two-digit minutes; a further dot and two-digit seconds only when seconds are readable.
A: 1.35
